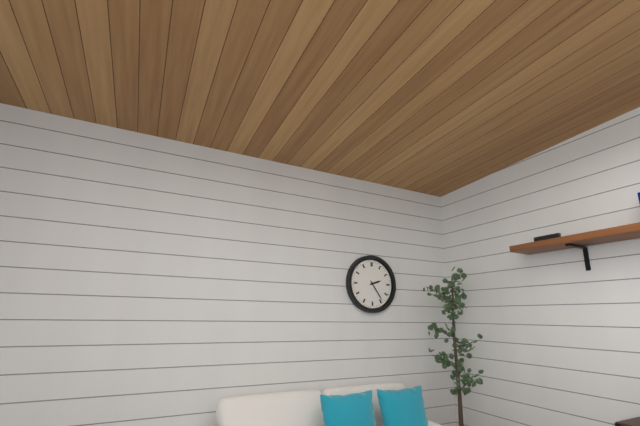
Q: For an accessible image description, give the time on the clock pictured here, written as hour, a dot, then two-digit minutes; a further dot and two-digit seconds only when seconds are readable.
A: 2.24
